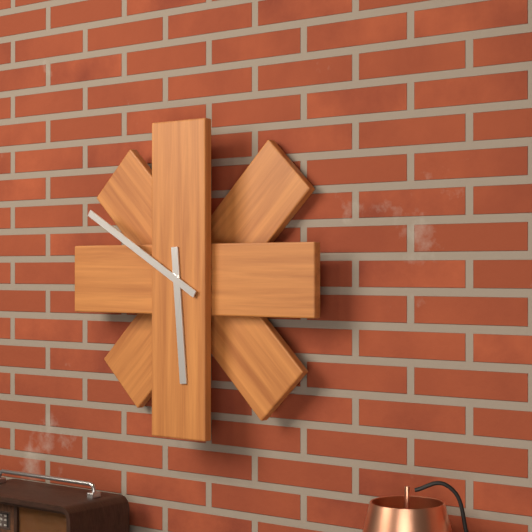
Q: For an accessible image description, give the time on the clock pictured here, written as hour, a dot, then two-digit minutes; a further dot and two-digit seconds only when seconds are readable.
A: 5.50
